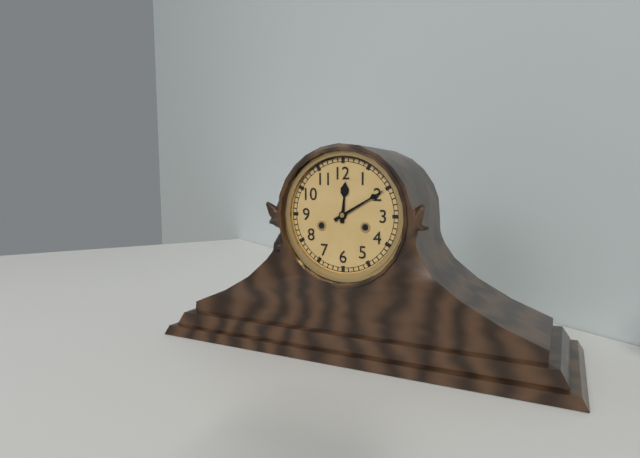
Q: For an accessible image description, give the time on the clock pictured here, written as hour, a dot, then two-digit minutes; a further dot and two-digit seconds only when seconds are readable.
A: 12.10
